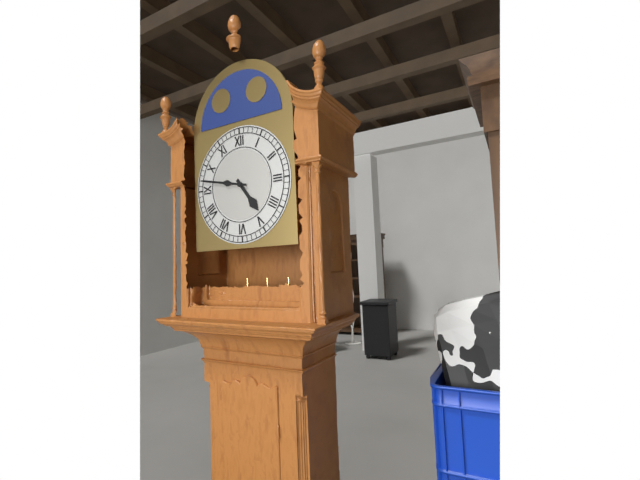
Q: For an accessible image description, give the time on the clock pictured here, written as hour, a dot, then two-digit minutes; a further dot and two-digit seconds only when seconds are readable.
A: 4.47
